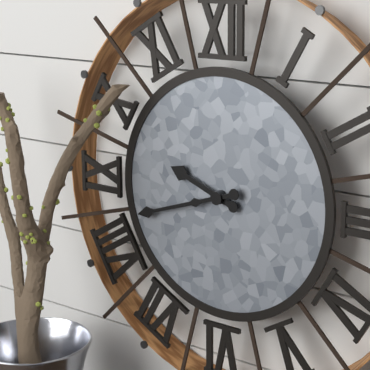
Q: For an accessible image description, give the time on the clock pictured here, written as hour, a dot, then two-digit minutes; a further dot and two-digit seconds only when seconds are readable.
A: 9.42
